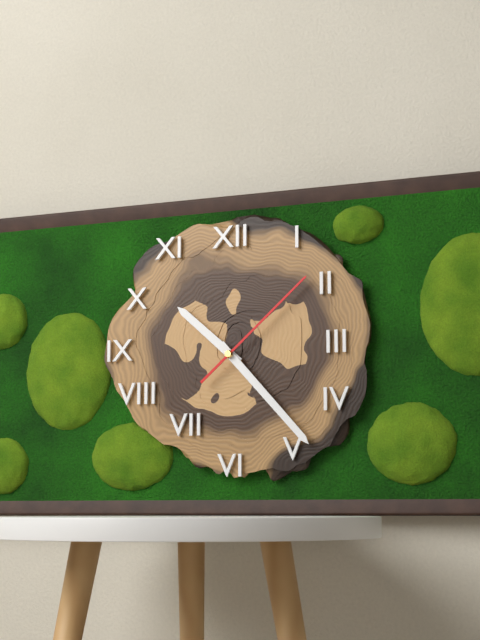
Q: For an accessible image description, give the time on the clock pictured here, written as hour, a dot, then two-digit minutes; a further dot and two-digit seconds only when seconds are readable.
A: 10.23.08
